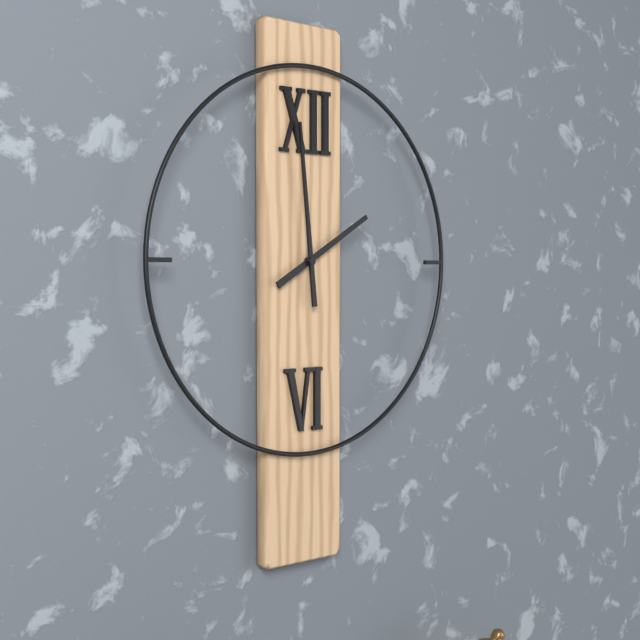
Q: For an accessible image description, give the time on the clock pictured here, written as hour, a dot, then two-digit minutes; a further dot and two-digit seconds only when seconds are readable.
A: 1.59
